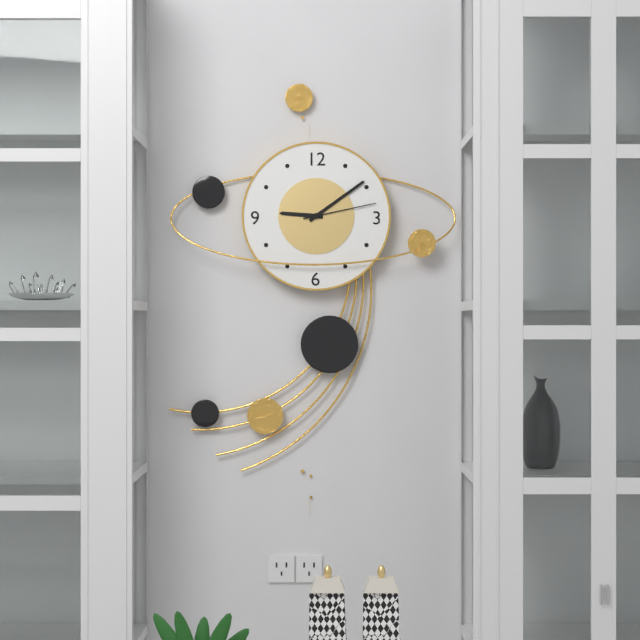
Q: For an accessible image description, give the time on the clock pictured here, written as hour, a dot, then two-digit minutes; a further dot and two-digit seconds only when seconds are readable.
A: 9.09.13
